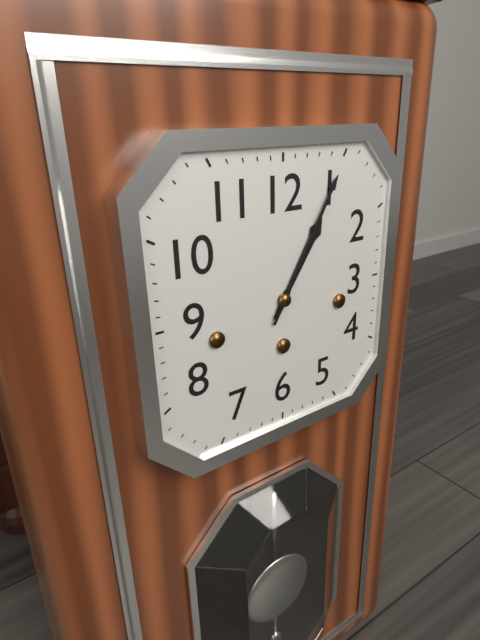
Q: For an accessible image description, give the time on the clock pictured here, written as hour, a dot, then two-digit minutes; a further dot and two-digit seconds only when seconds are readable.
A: 1.05
